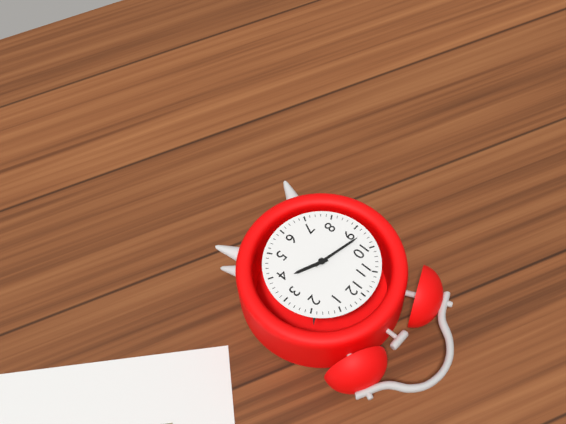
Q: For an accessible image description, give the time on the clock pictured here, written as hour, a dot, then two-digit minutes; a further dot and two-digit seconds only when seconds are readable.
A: 3.47
